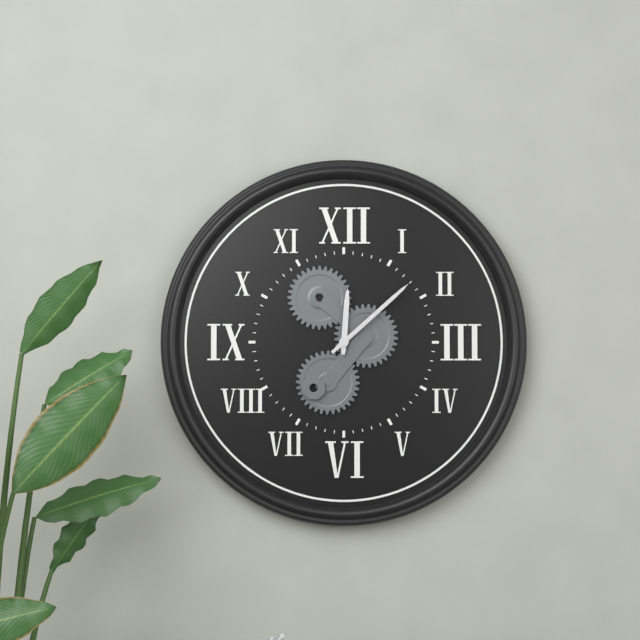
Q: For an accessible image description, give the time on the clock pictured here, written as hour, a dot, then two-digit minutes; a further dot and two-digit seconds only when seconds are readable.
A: 12.08
